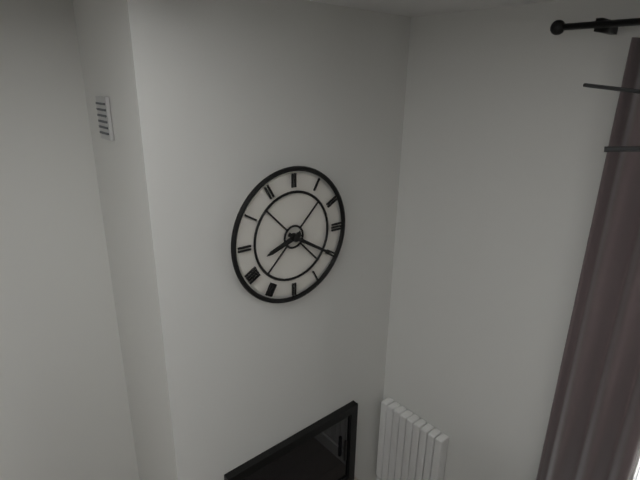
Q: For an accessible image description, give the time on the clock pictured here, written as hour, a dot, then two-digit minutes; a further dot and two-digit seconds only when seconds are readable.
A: 8.20
